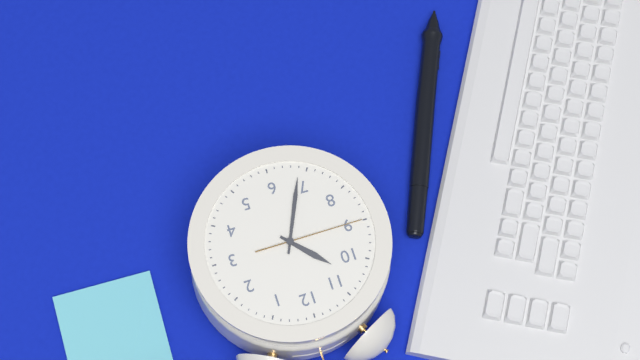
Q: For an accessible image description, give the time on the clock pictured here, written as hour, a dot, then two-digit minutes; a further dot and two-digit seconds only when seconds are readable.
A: 10.34.45
